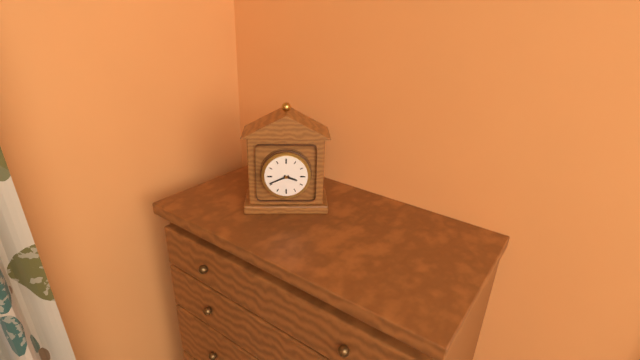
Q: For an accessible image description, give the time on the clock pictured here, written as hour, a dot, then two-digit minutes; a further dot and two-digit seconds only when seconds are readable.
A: 3.41
